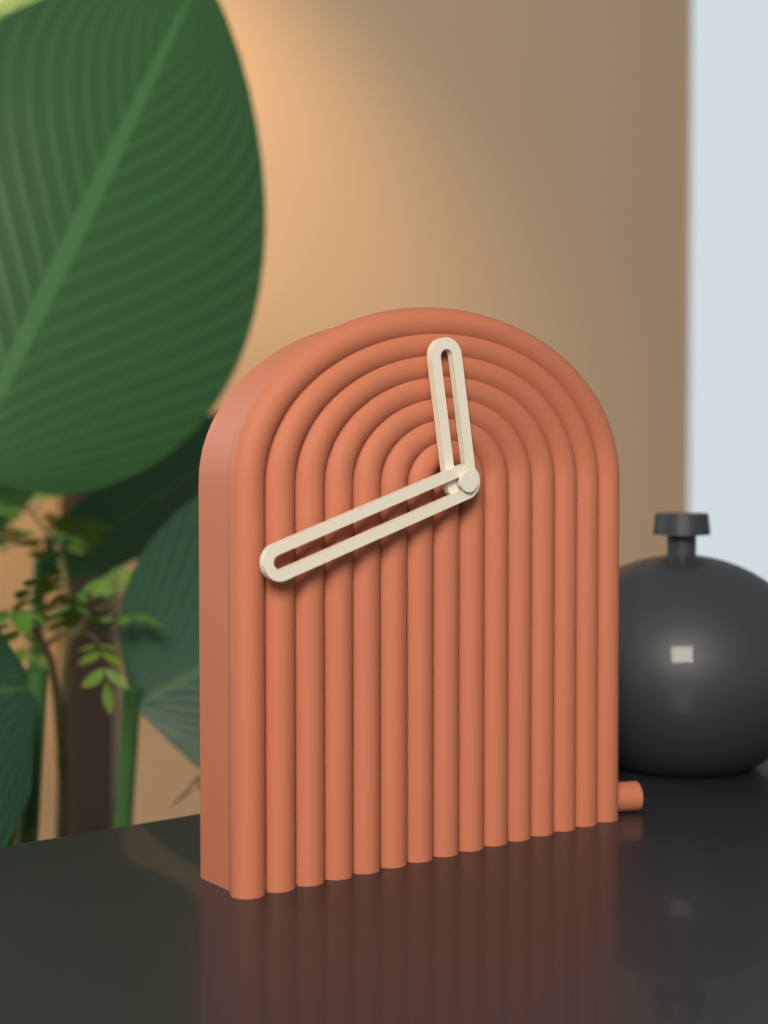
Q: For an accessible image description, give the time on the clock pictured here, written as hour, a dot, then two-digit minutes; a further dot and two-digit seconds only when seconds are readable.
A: 11.42
